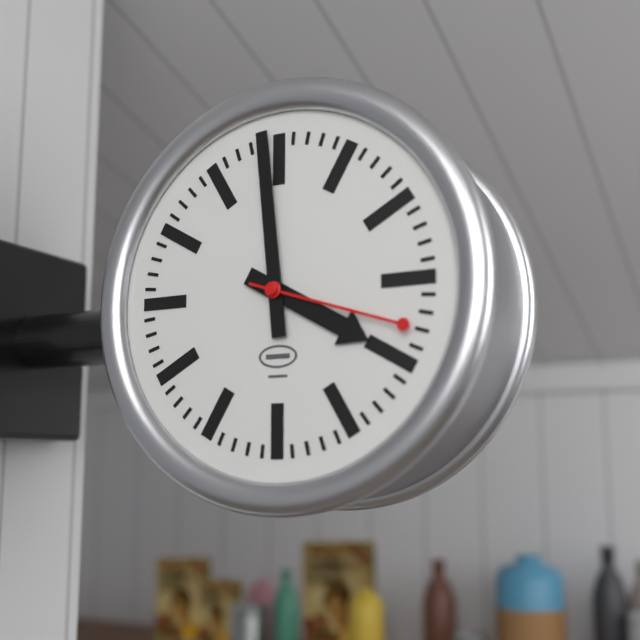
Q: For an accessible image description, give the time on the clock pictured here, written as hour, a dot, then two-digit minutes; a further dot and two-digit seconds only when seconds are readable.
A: 3.59.18
